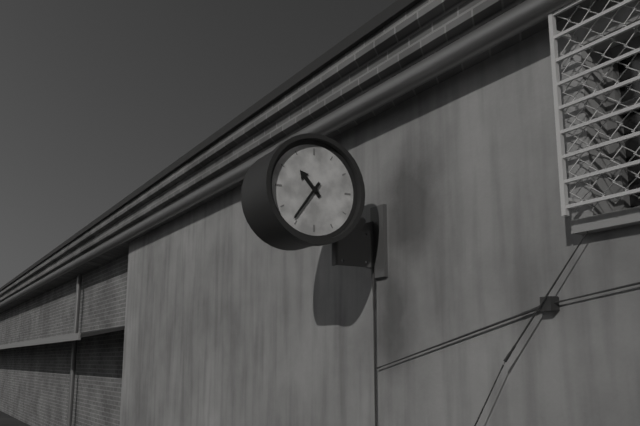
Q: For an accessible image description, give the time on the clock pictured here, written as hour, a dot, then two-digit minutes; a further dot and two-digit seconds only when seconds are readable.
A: 10.36
